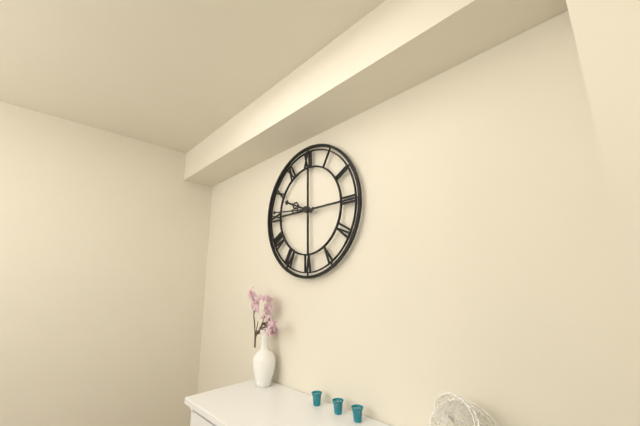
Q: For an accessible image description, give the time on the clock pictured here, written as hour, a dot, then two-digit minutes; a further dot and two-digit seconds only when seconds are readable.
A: 9.46
